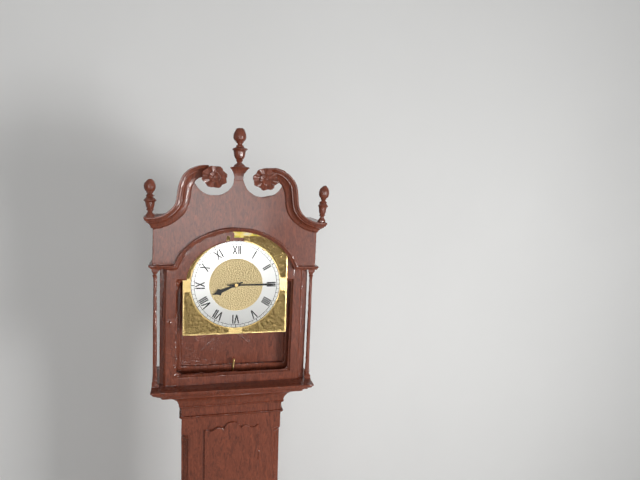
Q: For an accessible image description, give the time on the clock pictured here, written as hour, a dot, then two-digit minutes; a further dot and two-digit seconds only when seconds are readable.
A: 8.15
